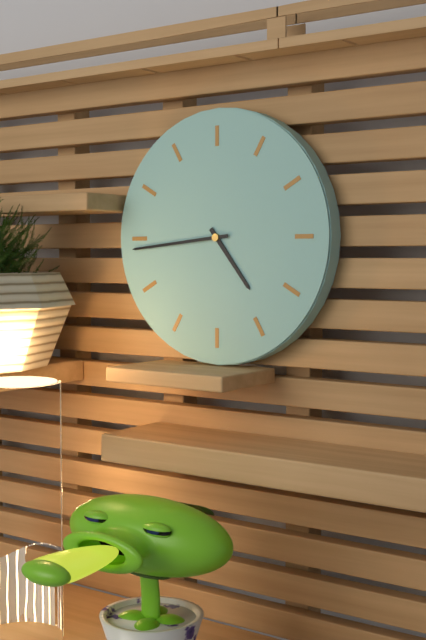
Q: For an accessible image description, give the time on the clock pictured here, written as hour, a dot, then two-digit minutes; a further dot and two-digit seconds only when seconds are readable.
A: 4.44
